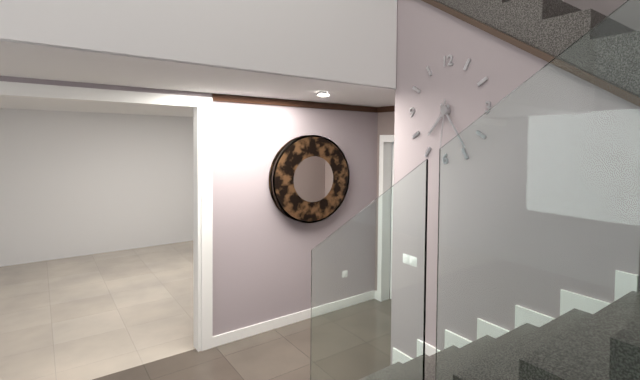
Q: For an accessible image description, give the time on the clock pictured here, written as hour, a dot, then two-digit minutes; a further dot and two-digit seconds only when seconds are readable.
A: 7.24.31
